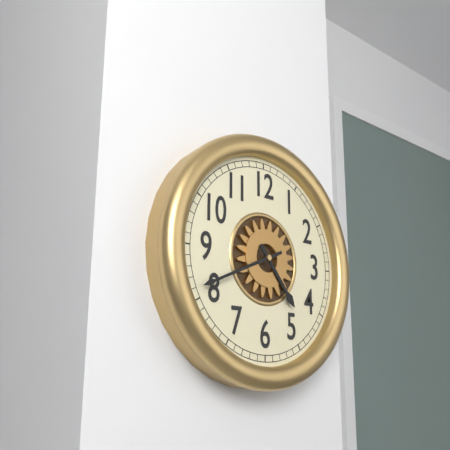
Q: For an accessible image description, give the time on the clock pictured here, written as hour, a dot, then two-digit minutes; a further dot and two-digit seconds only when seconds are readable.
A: 4.41
